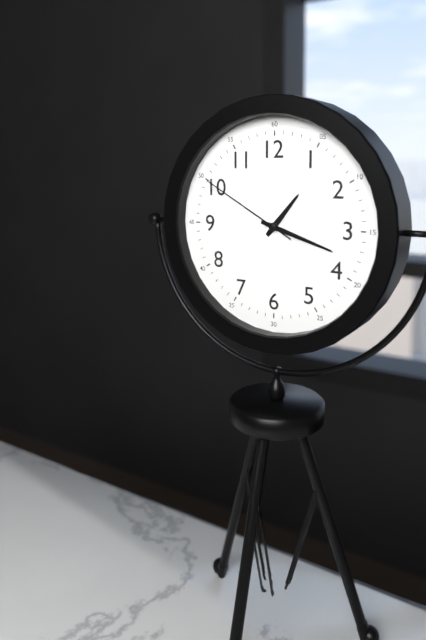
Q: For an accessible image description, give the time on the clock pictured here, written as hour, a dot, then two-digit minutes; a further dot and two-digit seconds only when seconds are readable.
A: 1.18.50
